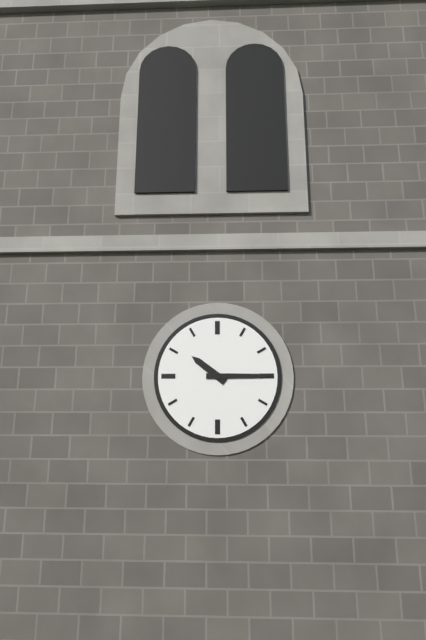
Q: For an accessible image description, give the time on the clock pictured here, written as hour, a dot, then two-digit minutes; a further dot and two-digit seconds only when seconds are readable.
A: 10.15
